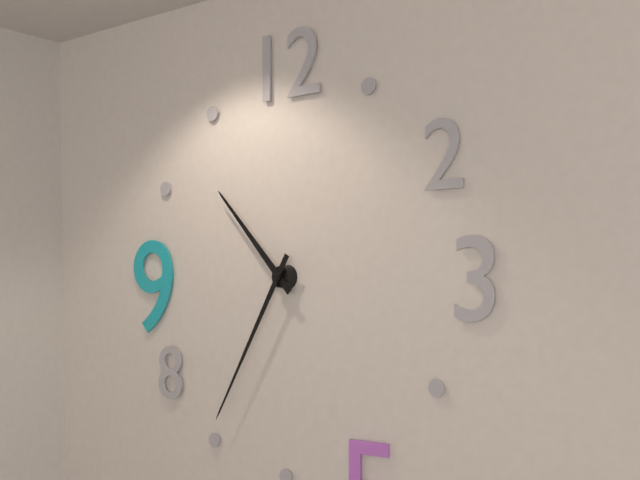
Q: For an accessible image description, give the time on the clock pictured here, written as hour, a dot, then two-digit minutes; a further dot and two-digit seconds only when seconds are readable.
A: 10.35
